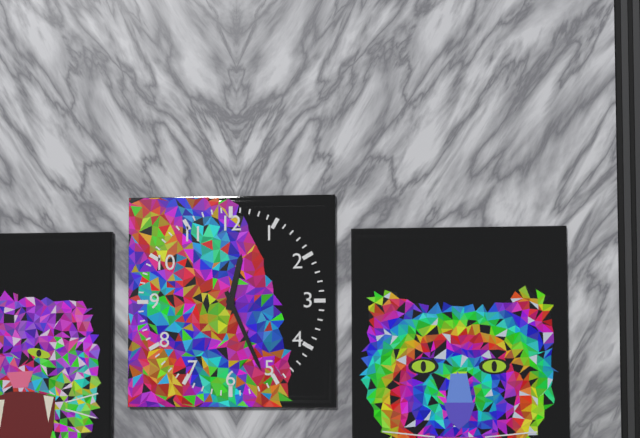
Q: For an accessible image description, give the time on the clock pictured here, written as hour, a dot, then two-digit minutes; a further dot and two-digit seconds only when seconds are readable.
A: 12.26
